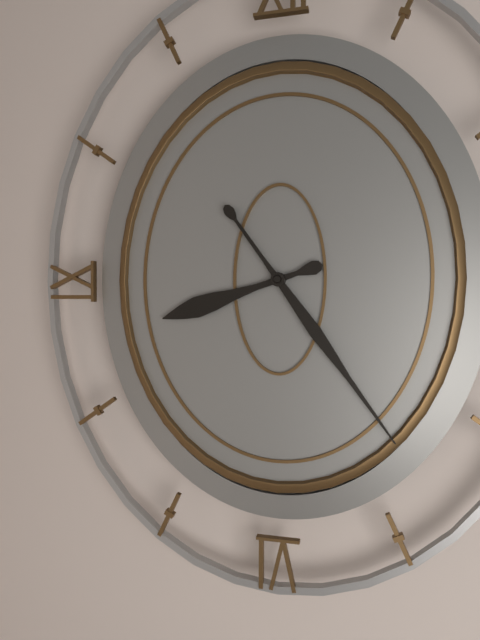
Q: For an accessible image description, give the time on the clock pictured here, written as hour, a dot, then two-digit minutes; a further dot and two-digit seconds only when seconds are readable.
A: 8.24
